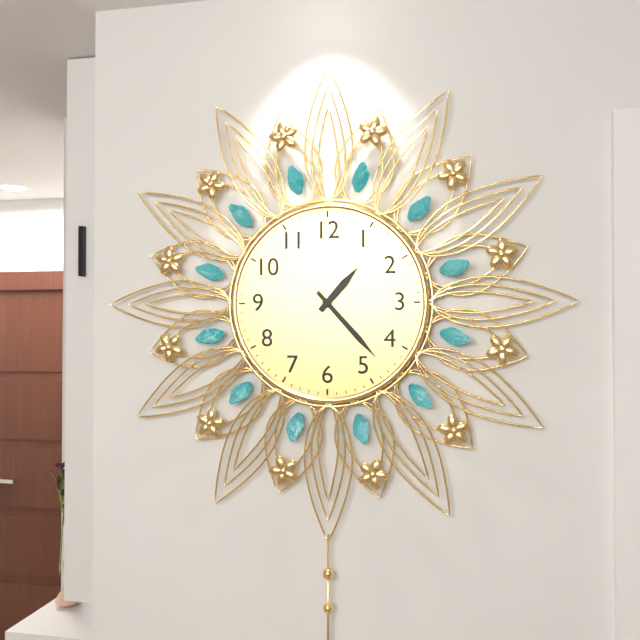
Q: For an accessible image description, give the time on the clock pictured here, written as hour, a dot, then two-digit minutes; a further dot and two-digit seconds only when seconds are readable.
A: 1.23
